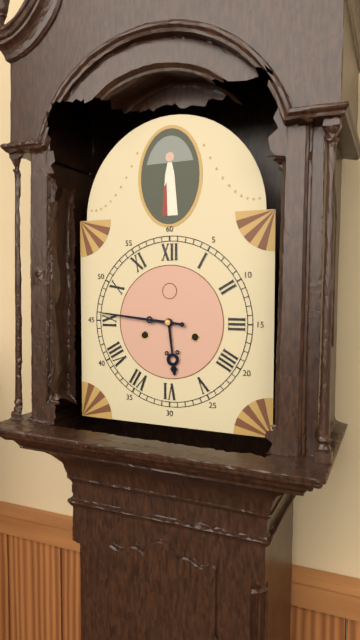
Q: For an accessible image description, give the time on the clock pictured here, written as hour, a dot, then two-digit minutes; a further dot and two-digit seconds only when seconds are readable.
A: 5.46
